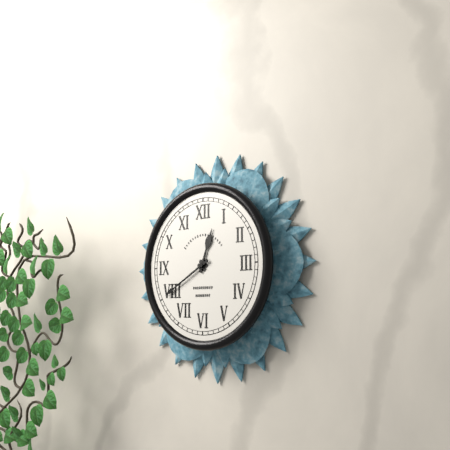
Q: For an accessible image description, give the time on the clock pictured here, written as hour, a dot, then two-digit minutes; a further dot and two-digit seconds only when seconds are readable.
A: 12.40
